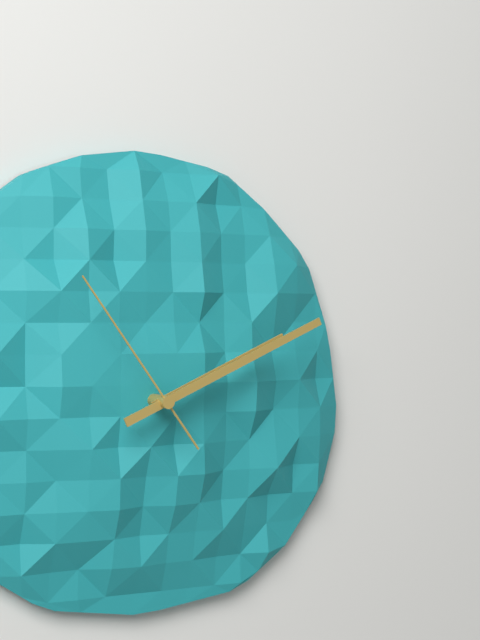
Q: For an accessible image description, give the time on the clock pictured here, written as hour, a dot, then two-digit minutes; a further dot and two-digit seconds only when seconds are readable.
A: 2.11.54
